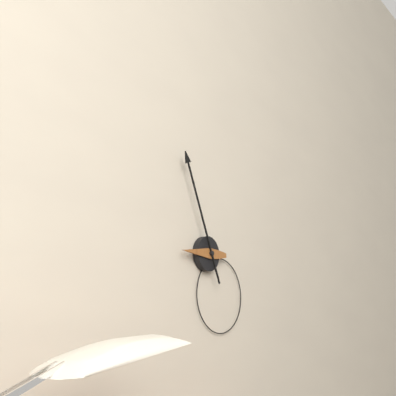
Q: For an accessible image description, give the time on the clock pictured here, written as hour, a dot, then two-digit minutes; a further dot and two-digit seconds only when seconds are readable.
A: 8.56
